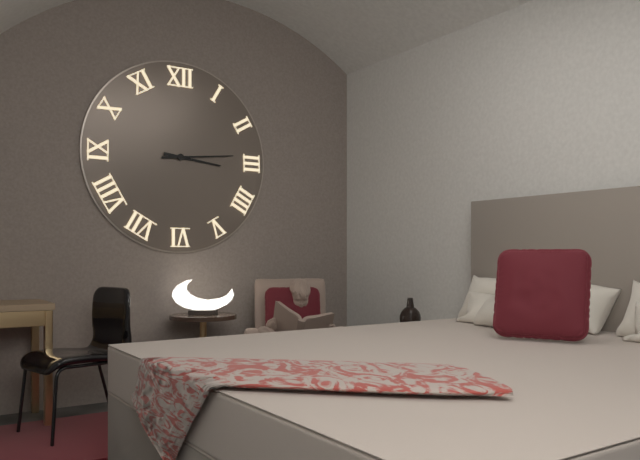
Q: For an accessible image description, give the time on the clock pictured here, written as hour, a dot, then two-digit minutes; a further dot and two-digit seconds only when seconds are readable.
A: 3.14
